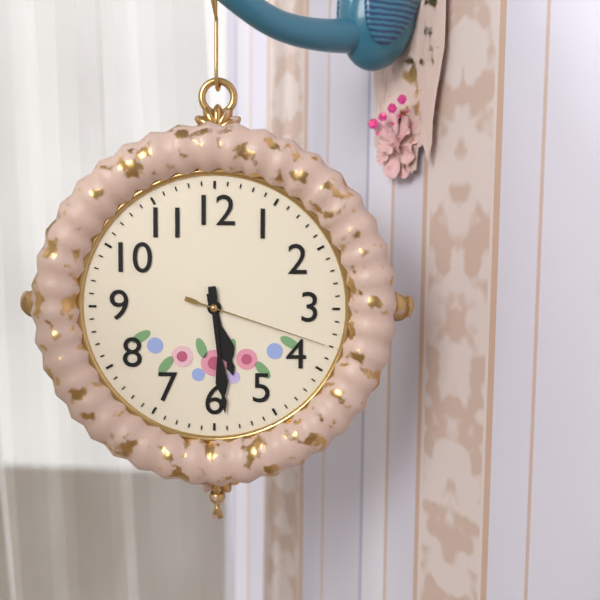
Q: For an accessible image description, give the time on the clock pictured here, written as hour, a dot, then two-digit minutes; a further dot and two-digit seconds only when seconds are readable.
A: 5.29.18
